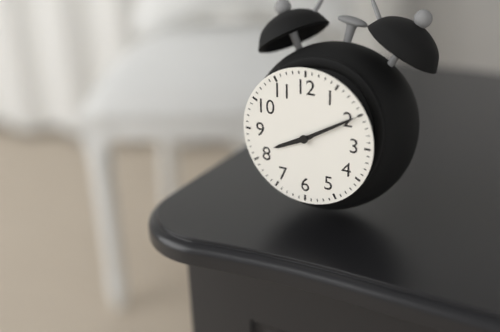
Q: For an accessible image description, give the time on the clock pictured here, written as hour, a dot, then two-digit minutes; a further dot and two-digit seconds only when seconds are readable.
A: 8.10
